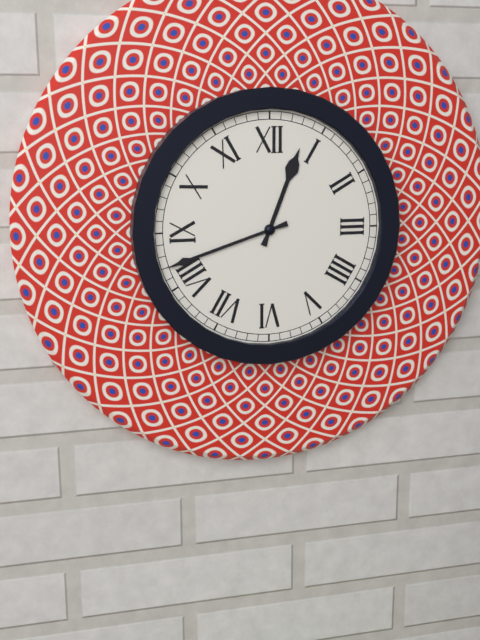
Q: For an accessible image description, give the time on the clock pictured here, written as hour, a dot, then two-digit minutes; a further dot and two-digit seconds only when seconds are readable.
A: 12.42
